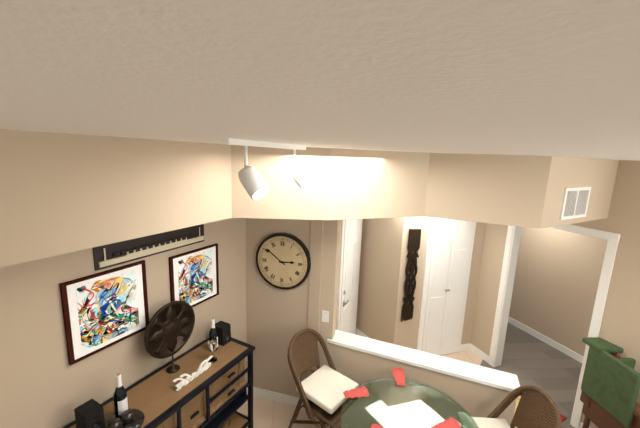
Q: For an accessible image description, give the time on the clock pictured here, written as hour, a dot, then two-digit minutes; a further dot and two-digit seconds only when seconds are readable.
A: 2.51
